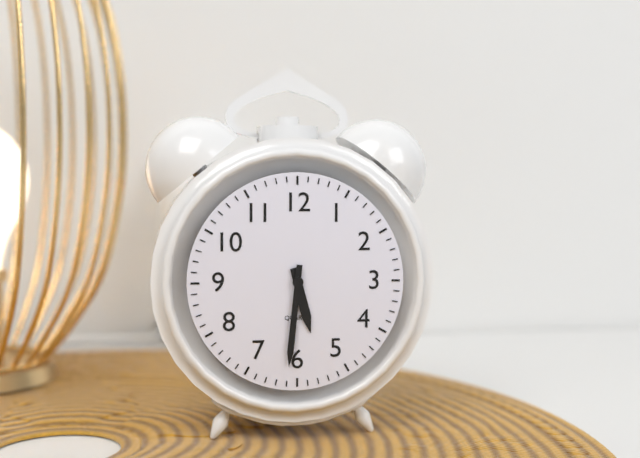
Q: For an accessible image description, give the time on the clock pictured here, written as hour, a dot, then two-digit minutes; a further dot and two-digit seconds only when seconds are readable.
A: 5.31
